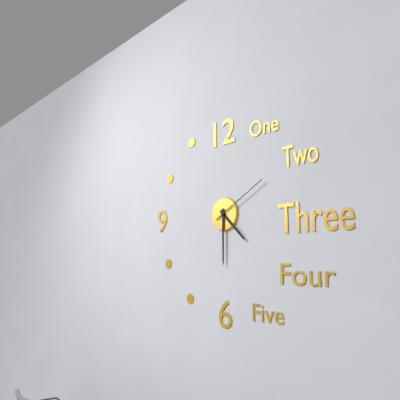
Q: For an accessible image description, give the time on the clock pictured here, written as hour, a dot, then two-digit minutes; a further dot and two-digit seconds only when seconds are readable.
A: 4.30.10
